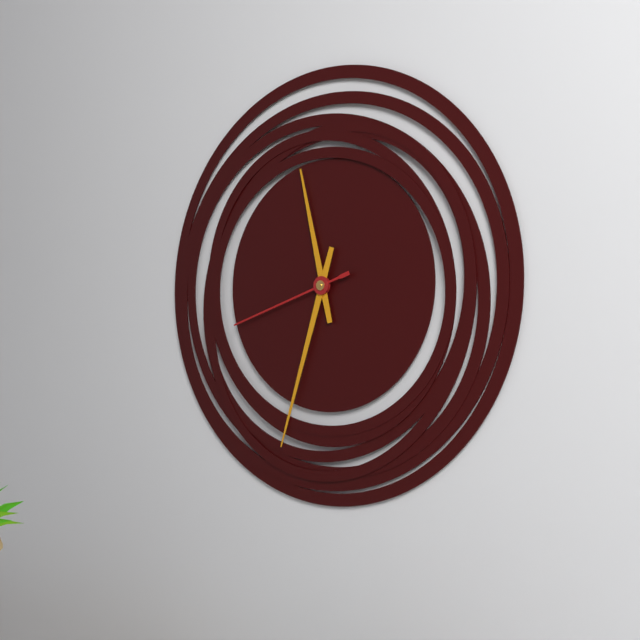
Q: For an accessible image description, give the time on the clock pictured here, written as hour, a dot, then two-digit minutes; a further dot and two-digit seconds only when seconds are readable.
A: 11.33.42
